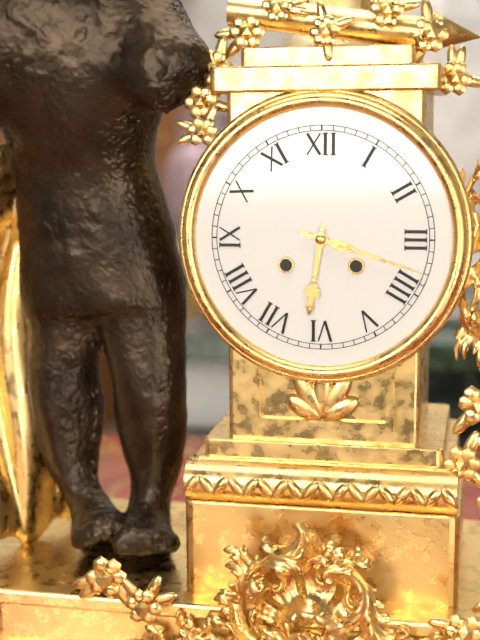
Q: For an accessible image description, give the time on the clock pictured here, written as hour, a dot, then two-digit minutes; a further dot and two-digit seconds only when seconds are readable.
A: 6.18
